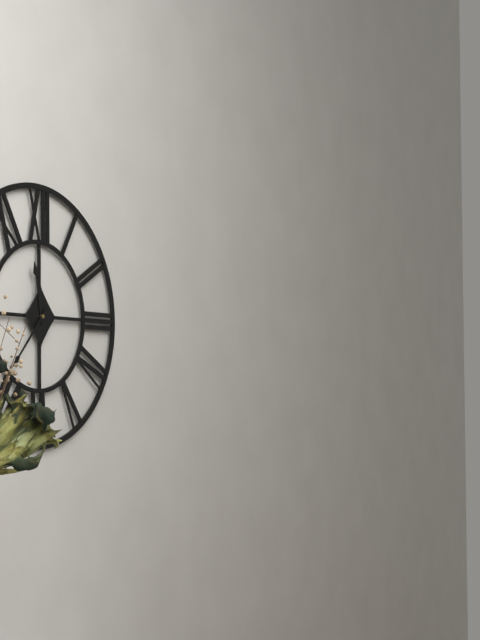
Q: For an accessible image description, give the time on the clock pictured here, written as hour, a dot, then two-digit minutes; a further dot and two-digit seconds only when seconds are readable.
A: 11.37
